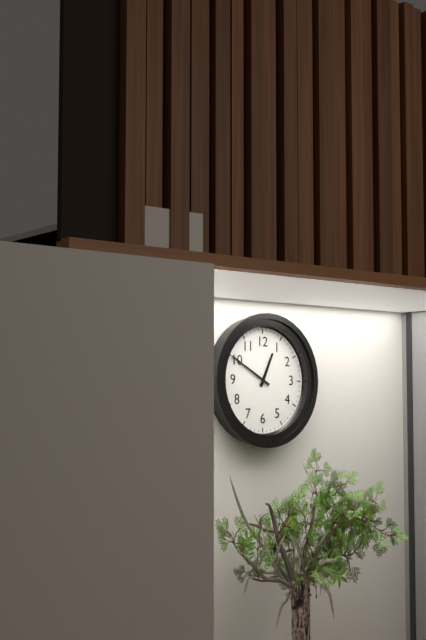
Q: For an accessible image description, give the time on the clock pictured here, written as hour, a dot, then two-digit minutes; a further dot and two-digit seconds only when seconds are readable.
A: 12.50
